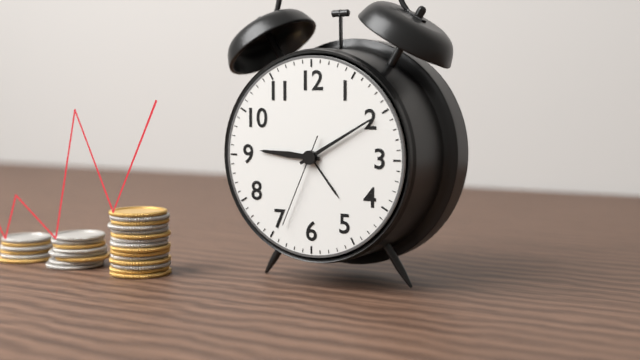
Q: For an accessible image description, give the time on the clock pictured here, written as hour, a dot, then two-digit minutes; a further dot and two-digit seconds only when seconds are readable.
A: 9.10.34
